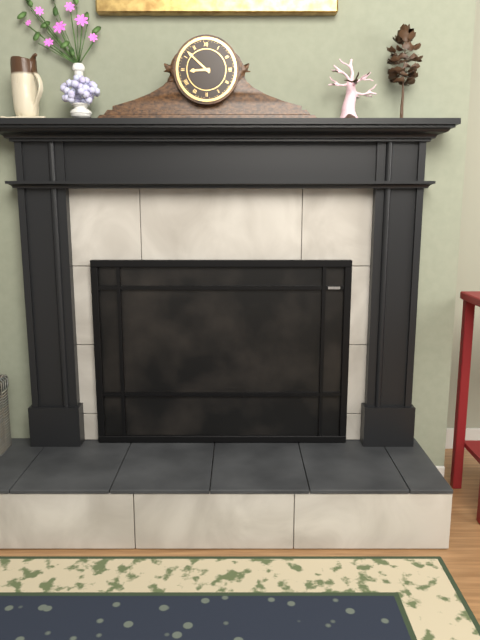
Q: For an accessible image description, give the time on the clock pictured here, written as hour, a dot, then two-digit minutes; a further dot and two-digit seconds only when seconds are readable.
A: 8.52
